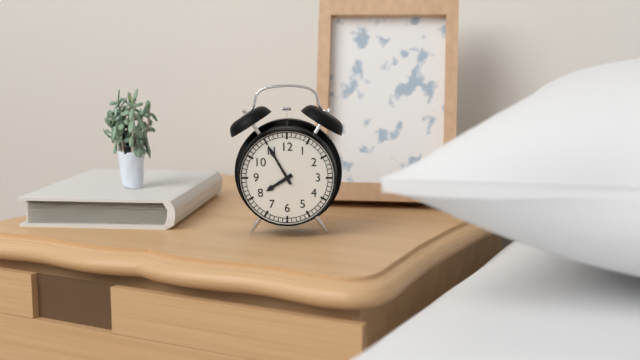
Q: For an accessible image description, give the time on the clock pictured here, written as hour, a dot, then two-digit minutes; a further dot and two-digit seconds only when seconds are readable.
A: 7.55
